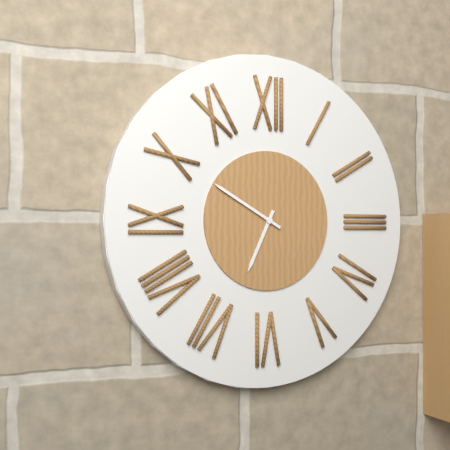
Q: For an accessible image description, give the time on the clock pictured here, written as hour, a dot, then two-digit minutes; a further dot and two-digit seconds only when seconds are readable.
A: 6.50
